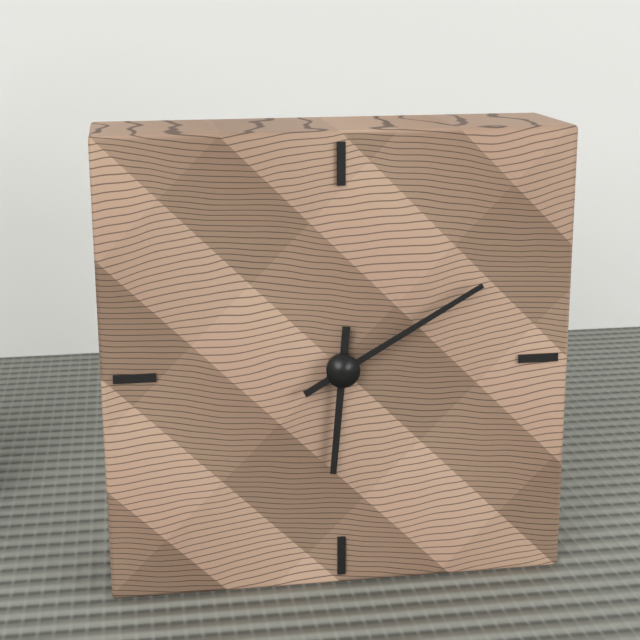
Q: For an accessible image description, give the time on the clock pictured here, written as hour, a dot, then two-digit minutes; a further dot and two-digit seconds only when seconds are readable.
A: 6.10
